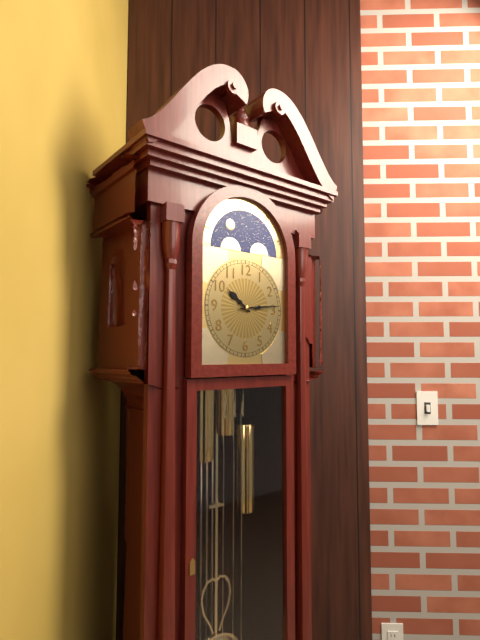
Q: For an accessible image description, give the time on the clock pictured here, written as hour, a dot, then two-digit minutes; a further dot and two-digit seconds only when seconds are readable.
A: 10.14
